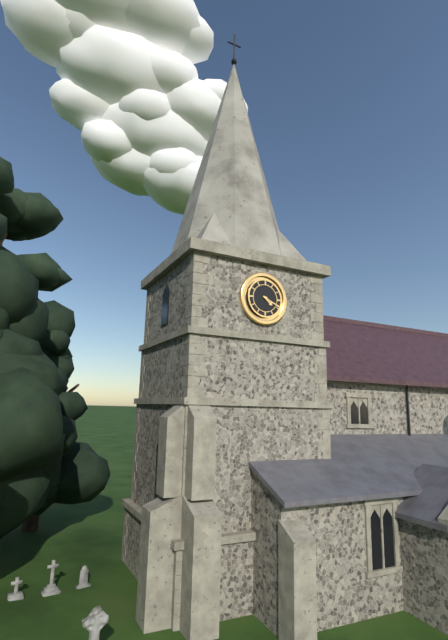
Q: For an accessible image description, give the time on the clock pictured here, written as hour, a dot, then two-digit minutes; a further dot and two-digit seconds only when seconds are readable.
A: 4.19
